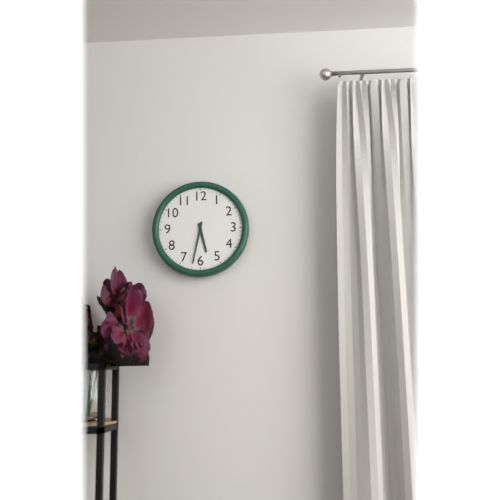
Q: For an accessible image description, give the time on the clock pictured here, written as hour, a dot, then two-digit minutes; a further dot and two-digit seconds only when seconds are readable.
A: 5.32
